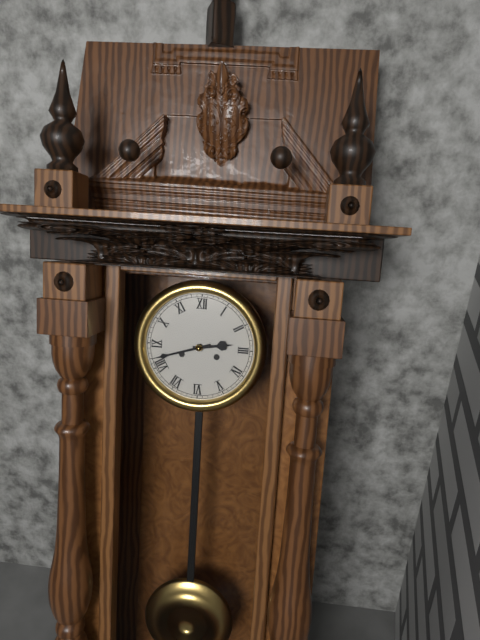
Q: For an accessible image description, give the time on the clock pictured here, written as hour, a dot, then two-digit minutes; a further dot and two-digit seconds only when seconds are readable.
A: 2.42
